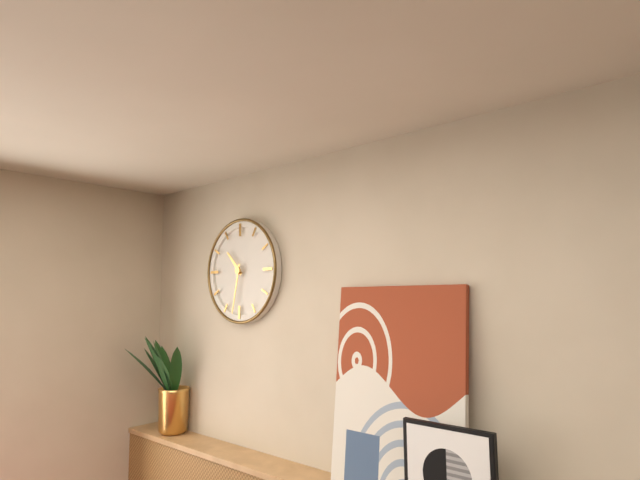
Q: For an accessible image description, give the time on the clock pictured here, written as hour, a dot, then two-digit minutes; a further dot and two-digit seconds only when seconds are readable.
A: 10.32
